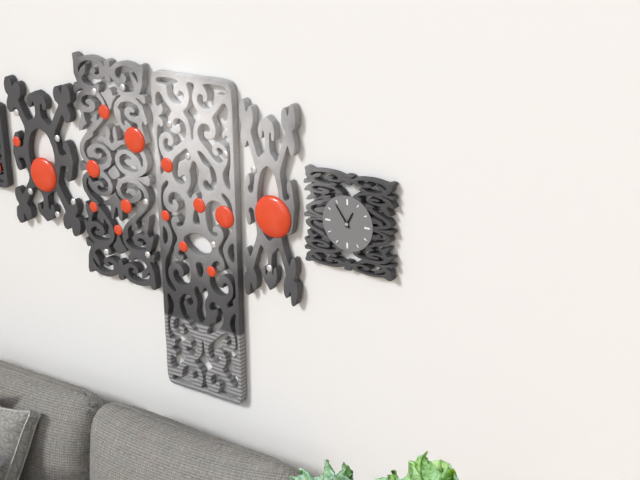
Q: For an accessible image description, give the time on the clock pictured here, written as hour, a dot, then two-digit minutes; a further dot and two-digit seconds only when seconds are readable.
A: 12.54
